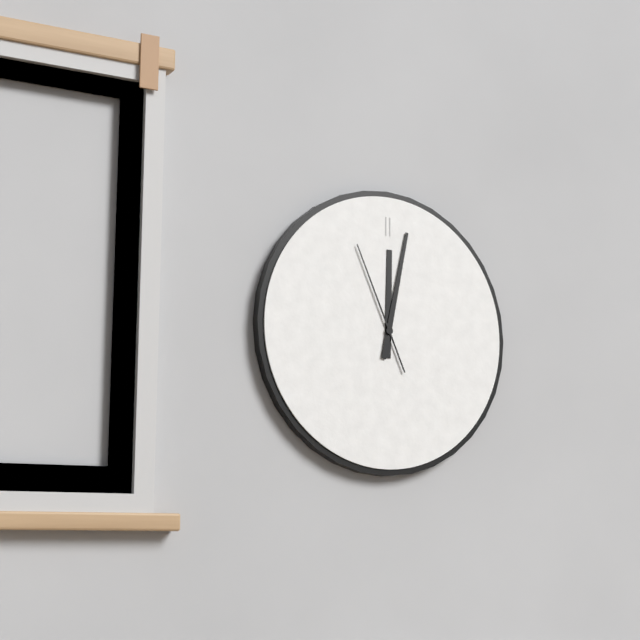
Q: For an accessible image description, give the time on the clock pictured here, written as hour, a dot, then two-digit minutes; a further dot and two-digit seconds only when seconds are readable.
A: 12.02.56
